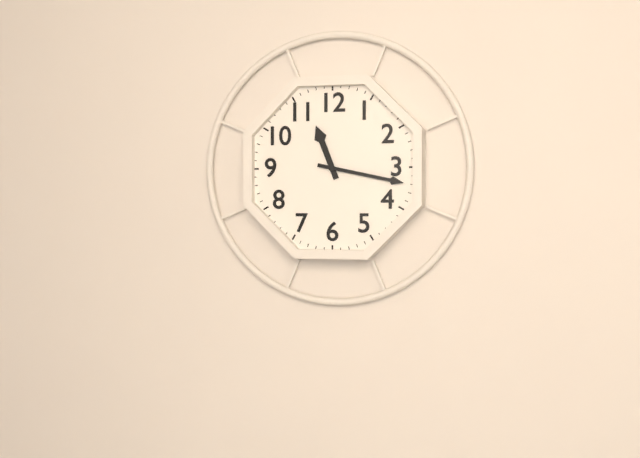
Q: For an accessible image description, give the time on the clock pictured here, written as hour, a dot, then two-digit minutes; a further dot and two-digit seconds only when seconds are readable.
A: 11.17
